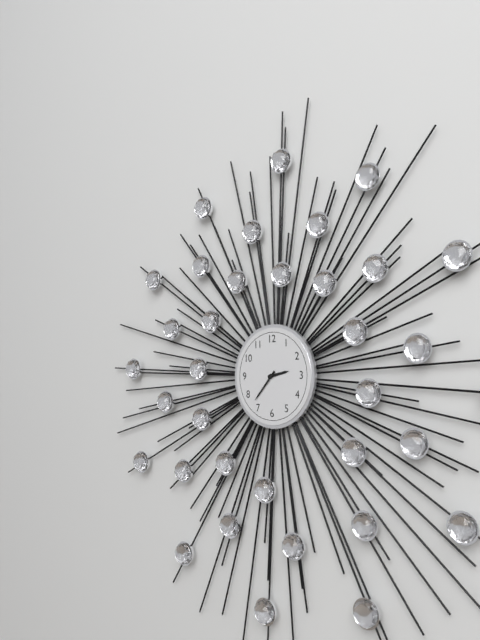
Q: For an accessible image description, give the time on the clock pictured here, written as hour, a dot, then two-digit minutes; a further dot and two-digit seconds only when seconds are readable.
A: 2.37
